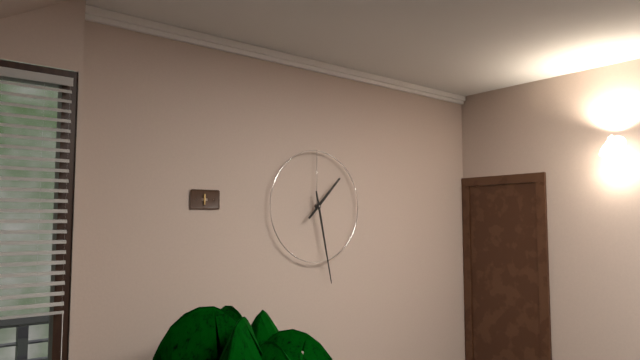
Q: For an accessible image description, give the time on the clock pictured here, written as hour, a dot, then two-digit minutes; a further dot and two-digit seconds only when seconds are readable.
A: 1.28
